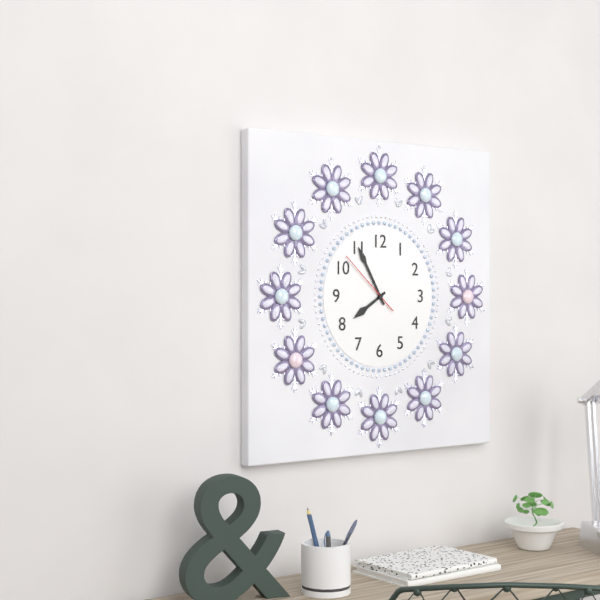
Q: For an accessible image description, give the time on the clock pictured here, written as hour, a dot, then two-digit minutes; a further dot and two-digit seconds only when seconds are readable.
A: 7.55.52
